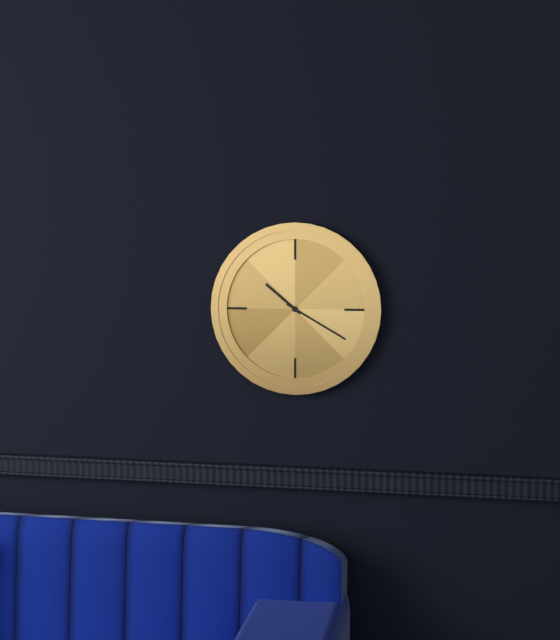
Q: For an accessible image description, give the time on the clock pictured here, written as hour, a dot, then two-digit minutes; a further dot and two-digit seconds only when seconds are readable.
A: 10.20
